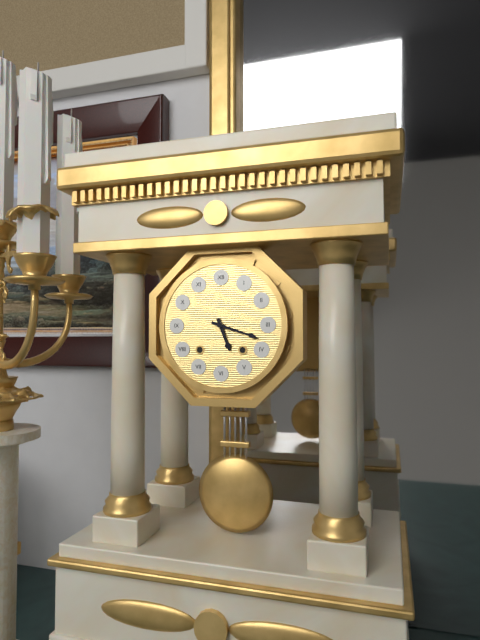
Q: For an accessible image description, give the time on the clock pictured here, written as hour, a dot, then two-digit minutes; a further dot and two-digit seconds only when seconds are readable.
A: 5.18
